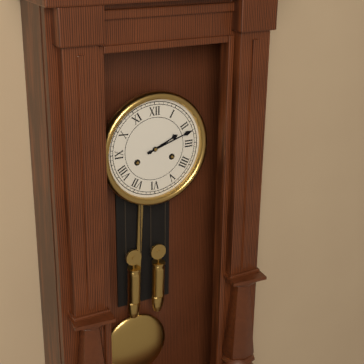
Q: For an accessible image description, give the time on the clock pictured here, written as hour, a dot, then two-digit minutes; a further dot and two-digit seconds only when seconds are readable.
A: 2.12
